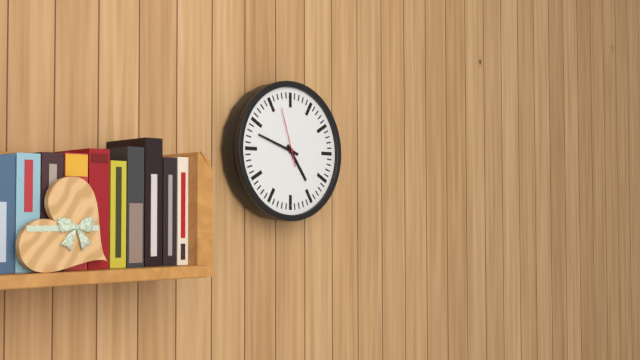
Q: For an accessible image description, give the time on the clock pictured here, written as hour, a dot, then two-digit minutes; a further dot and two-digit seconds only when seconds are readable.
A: 4.48.57
